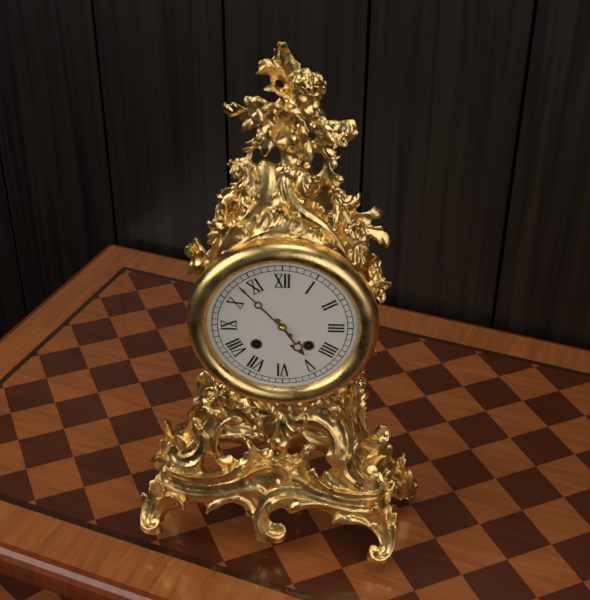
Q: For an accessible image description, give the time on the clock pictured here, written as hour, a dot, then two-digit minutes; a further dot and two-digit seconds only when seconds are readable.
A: 4.53
